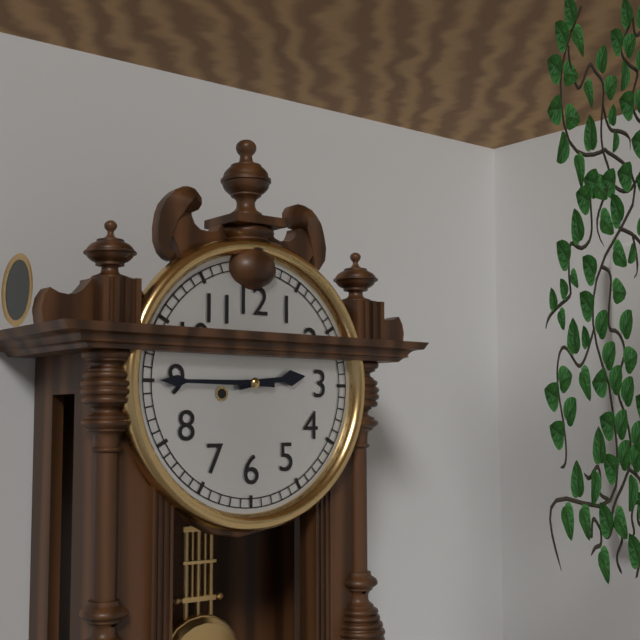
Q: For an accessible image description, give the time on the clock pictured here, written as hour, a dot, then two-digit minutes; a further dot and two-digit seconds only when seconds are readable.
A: 2.45
